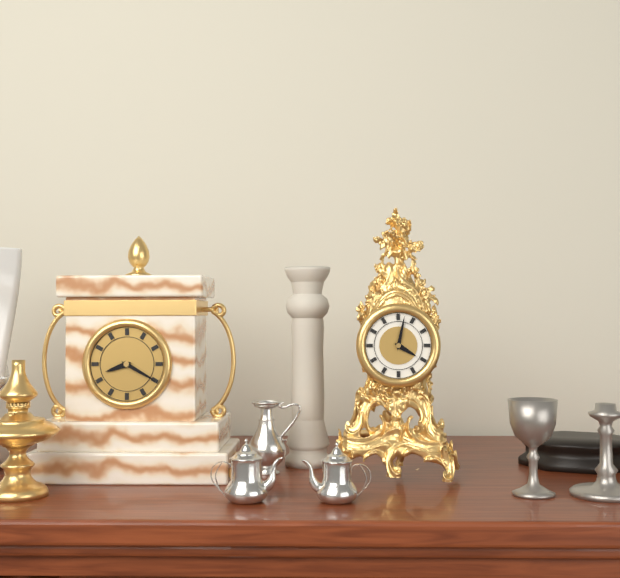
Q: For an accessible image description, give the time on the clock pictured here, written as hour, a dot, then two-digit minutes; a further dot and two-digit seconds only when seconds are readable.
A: 4.02
